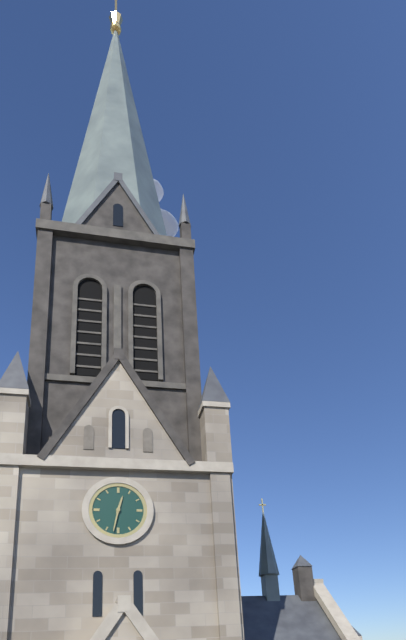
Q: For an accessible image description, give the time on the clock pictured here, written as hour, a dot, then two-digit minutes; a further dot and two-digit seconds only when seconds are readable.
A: 12.32
